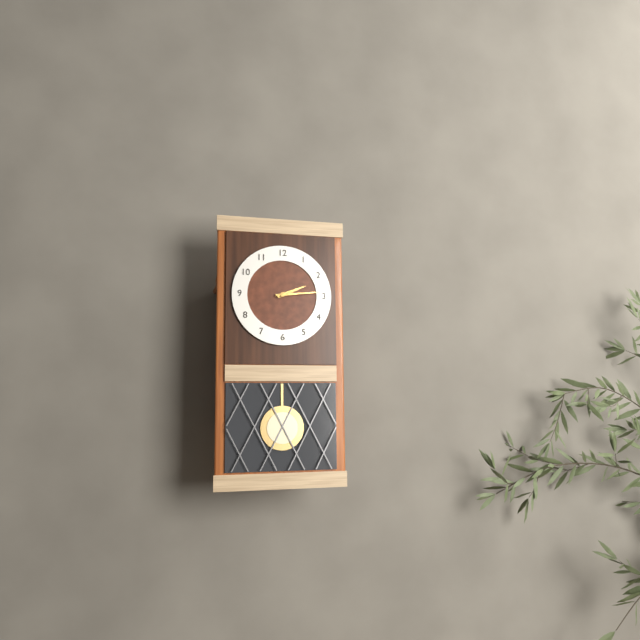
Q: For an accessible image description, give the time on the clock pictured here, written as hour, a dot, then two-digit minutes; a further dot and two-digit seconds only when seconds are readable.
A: 2.14
